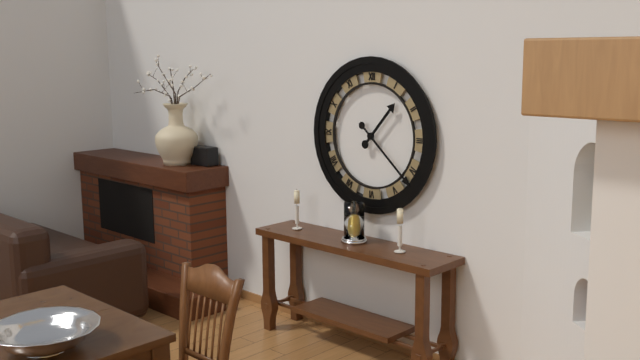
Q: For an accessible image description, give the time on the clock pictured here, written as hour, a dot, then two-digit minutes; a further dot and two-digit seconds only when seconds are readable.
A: 1.22
